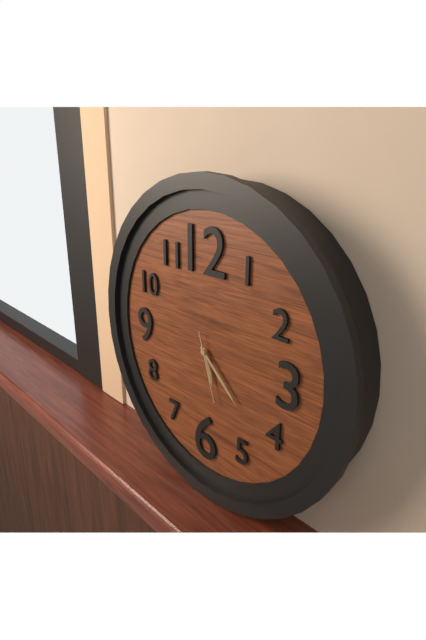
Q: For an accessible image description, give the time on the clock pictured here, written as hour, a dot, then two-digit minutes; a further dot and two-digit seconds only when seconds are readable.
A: 5.22.27
